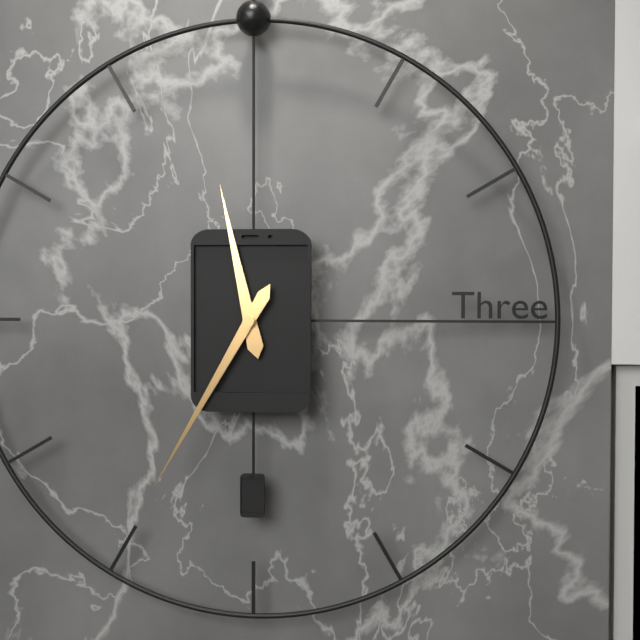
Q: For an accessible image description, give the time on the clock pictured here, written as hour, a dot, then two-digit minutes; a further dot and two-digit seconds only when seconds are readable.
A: 11.35
